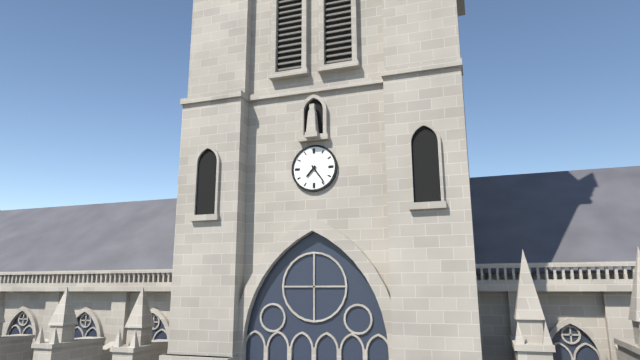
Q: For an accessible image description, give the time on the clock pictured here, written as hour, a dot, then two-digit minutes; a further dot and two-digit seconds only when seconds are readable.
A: 7.24
